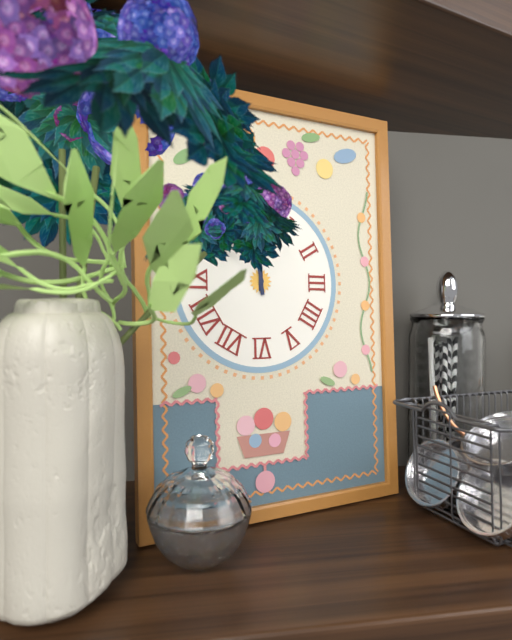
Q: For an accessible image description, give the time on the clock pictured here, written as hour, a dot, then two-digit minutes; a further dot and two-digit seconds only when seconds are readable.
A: 11.59
